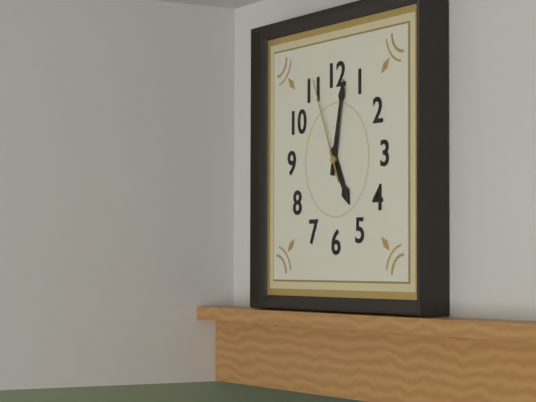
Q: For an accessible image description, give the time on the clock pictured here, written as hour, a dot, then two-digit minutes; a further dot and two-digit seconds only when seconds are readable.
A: 5.02.56
